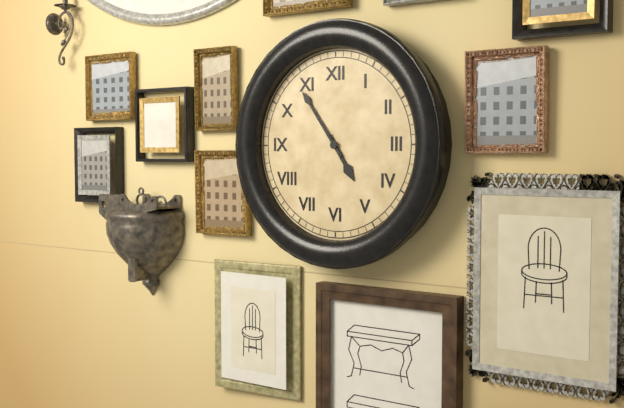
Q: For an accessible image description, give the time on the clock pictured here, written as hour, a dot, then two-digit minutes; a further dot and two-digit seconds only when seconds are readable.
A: 4.54
